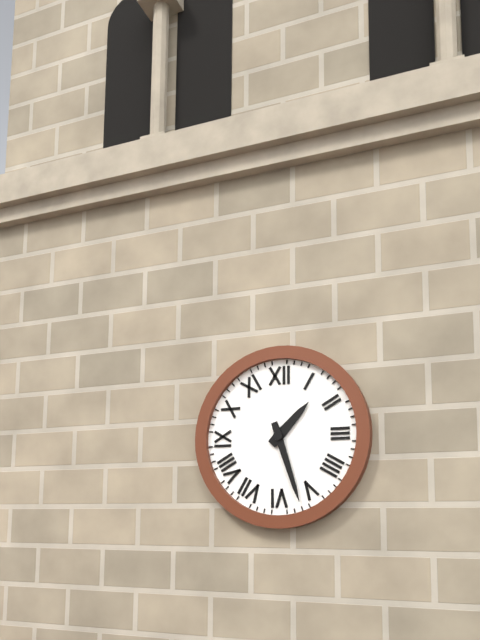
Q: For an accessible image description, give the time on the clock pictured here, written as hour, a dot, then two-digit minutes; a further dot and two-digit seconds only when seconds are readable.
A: 1.27
